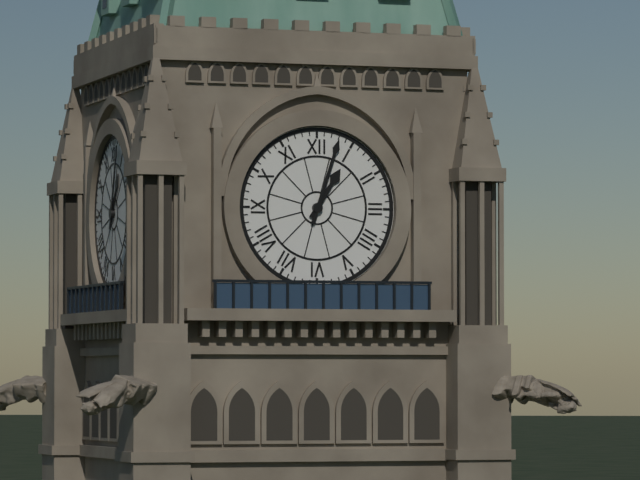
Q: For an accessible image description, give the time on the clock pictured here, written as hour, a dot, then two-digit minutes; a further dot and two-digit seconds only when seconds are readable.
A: 1.03
